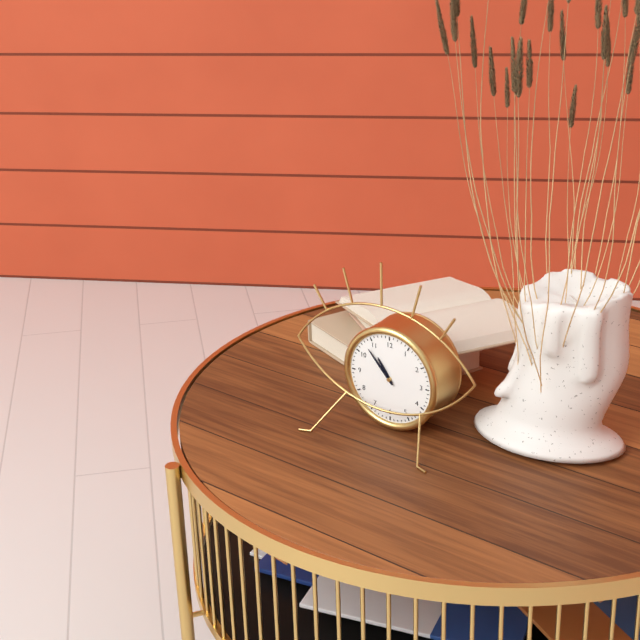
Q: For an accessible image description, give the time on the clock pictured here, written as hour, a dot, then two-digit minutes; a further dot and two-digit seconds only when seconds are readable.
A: 10.53
